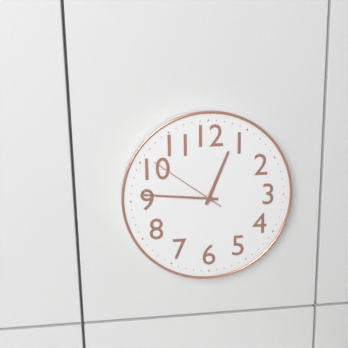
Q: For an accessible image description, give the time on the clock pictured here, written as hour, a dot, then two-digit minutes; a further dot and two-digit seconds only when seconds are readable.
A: 12.46.51
